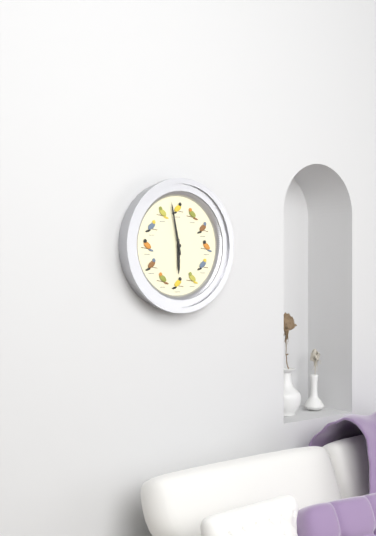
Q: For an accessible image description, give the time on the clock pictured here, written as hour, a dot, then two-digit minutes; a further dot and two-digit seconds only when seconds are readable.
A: 5.58
